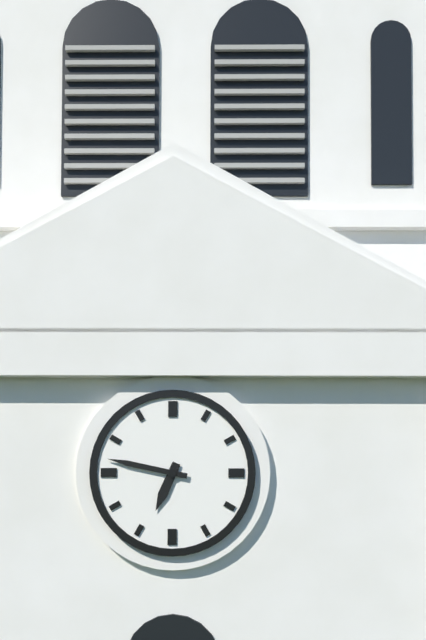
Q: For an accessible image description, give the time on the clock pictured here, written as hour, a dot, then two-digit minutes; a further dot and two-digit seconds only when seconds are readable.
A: 6.47
